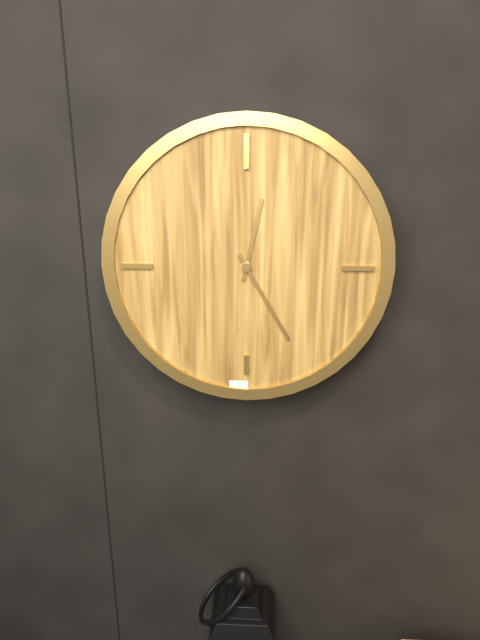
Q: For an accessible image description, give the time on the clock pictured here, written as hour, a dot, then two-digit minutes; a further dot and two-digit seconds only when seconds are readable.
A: 12.25
